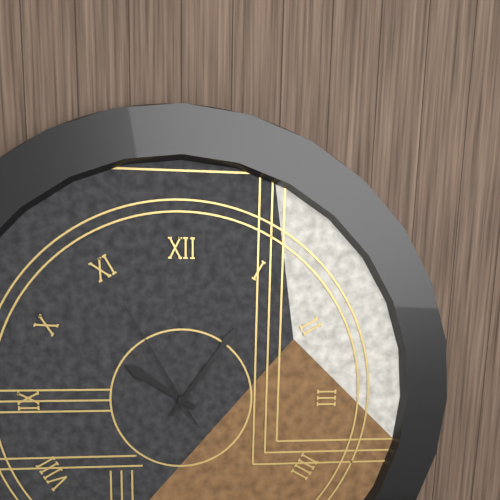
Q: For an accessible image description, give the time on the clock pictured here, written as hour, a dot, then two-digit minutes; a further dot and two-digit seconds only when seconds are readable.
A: 10.06.55
